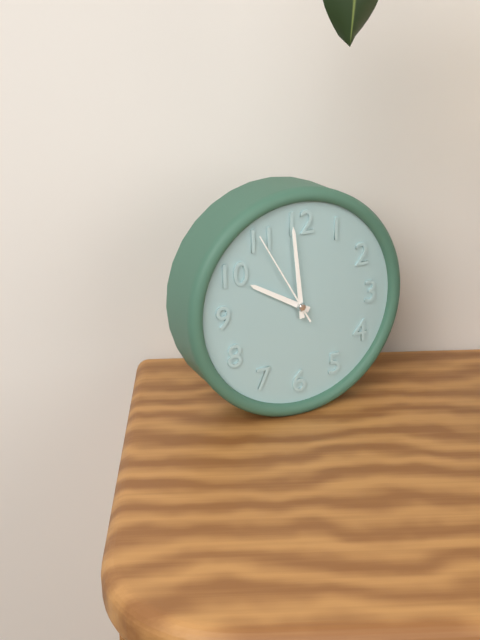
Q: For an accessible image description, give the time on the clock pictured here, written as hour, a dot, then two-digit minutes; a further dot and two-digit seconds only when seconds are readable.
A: 9.59.55
